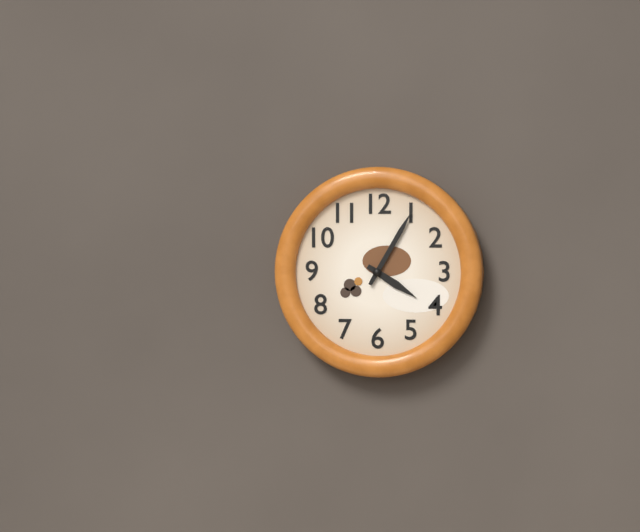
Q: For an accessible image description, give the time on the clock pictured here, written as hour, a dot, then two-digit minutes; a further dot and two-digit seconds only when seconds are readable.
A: 4.05
